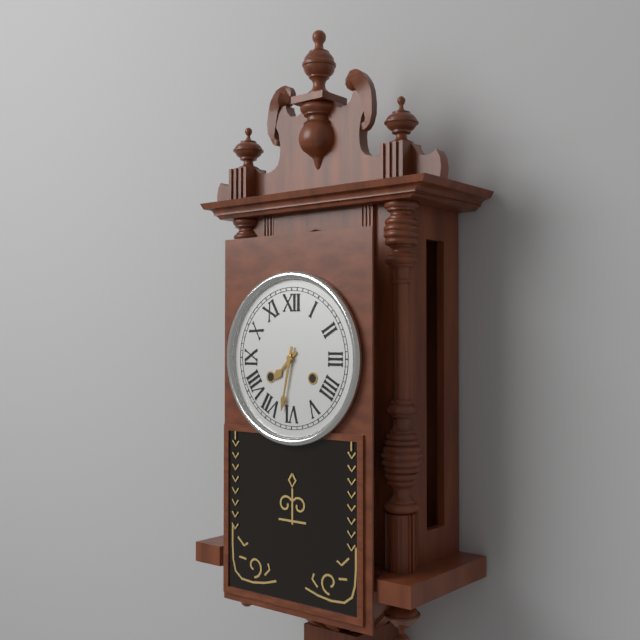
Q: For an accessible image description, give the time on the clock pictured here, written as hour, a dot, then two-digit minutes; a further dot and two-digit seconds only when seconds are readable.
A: 7.32
